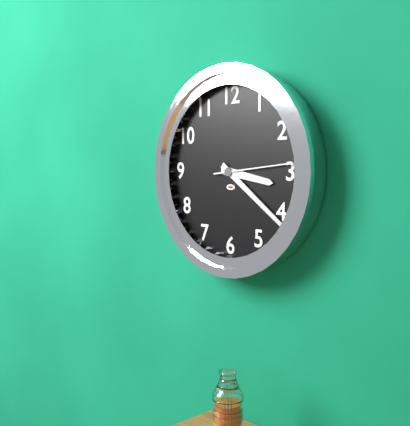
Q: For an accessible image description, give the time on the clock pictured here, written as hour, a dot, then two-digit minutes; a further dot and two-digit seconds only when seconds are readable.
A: 3.21.14
